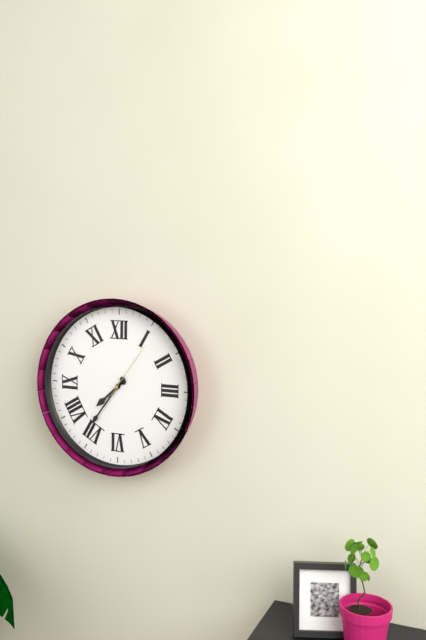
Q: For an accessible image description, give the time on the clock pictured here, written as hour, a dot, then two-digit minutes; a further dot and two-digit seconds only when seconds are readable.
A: 7.36.06
